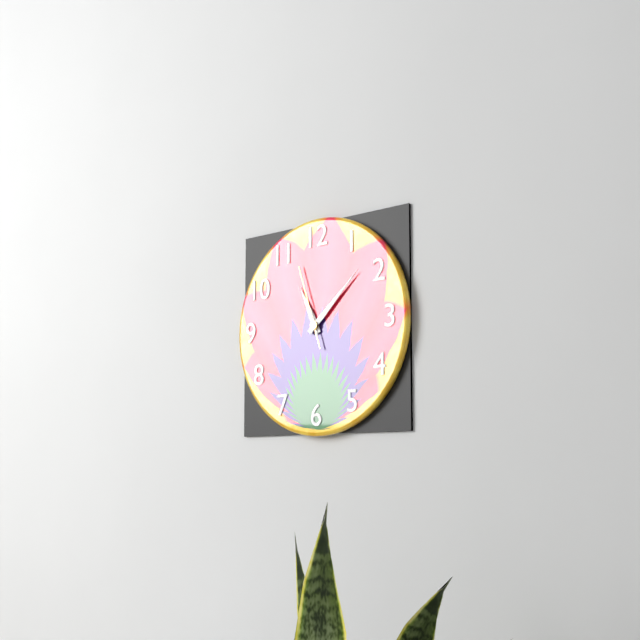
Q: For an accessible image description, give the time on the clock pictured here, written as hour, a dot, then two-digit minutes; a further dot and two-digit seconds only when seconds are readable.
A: 11.08.57
